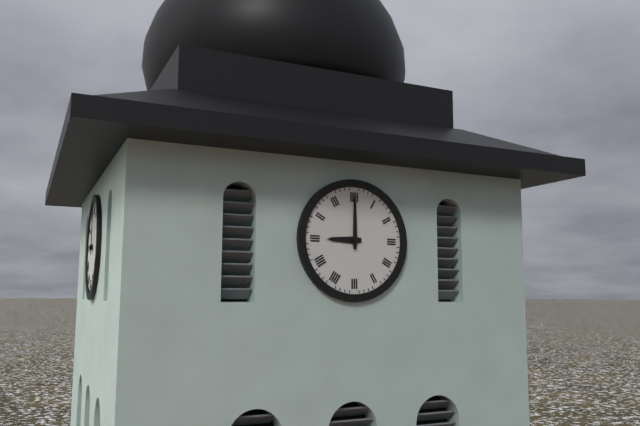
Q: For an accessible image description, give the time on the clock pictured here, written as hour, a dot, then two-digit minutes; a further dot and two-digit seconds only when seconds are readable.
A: 9.00
